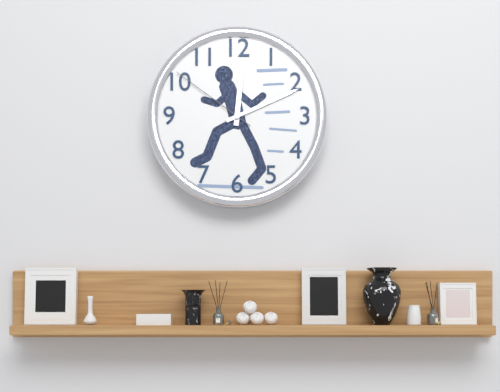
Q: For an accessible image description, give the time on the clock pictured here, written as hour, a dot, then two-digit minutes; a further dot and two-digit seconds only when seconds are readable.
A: 12.11.51
